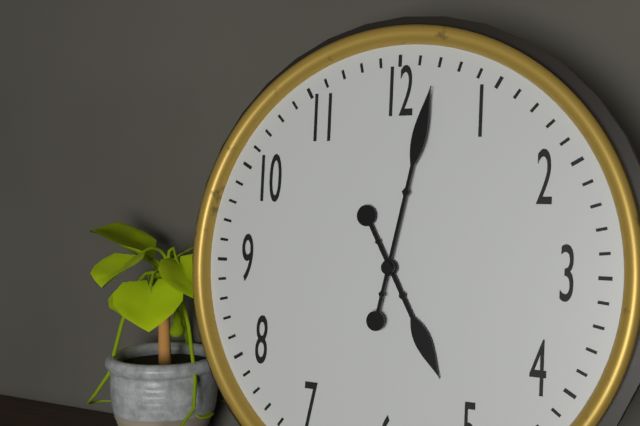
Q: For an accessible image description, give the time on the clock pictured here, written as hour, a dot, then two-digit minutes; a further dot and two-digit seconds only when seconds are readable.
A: 5.02
